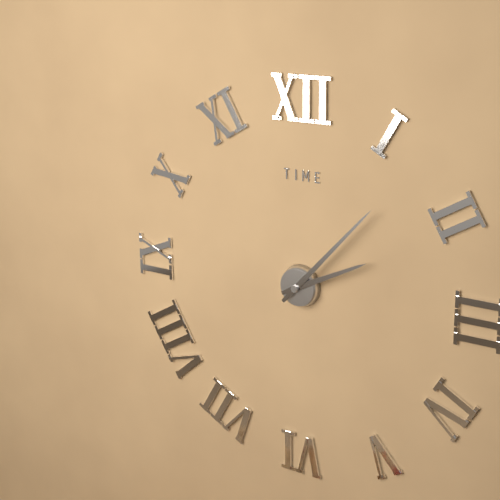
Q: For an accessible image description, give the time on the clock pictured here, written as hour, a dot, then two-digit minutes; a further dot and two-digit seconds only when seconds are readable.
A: 2.07
